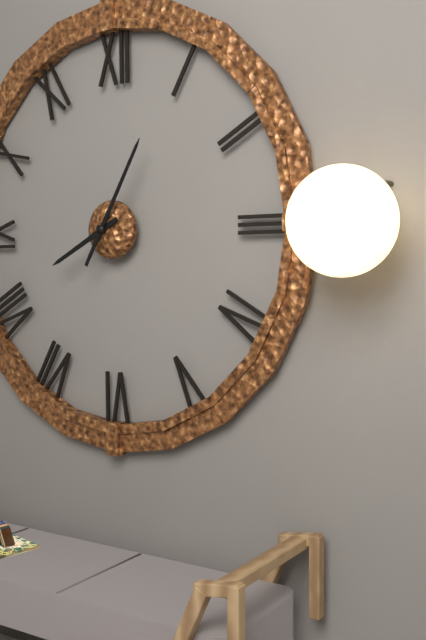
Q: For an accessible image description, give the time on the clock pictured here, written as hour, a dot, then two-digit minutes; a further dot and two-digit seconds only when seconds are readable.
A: 8.05
